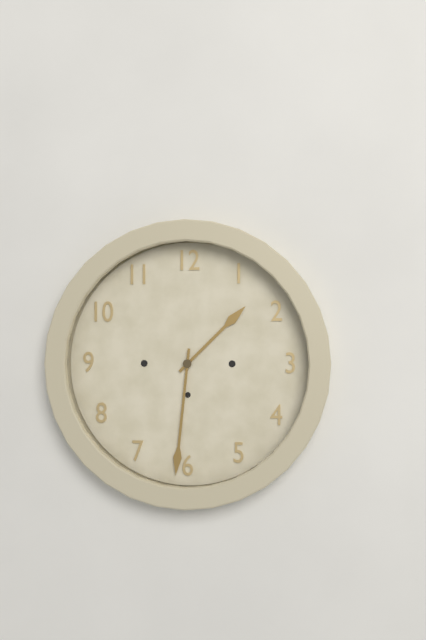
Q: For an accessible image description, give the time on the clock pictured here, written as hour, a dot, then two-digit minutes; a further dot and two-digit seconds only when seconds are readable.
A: 1.31
